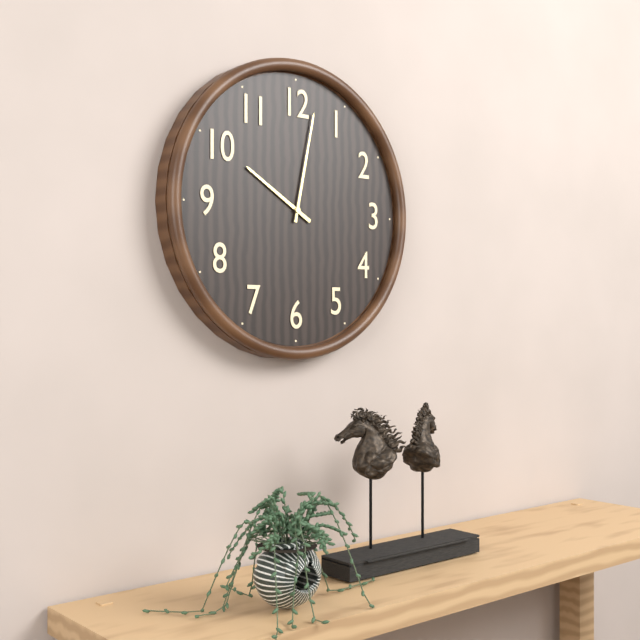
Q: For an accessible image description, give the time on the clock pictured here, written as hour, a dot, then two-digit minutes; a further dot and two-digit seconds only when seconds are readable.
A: 10.02
